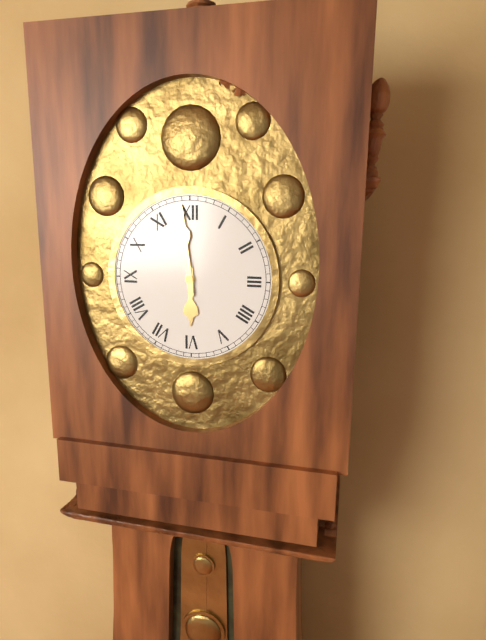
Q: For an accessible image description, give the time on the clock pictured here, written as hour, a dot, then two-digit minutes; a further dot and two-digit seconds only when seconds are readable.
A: 5.59
